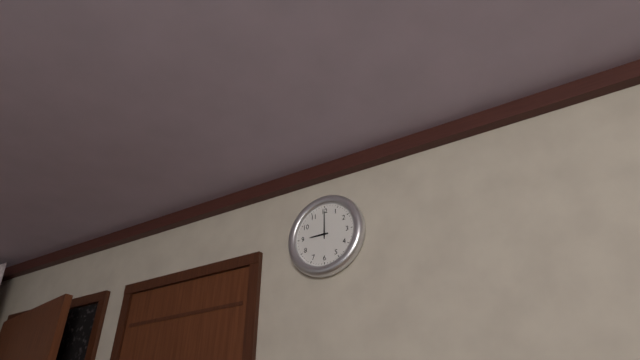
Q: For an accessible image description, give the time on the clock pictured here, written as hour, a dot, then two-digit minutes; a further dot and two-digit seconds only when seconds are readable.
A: 9.00
